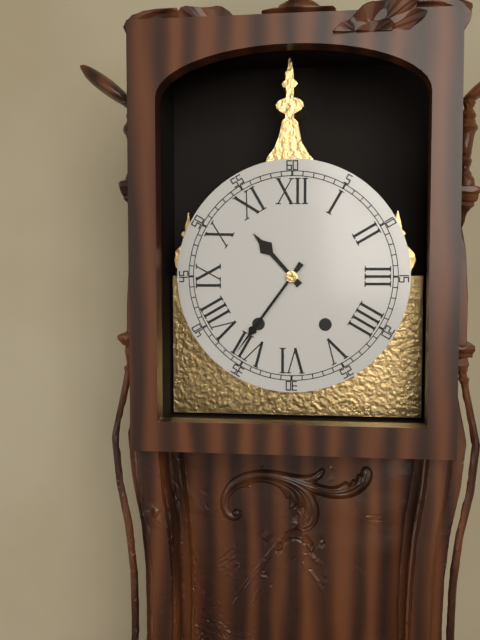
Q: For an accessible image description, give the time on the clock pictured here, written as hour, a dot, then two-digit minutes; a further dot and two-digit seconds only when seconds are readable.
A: 10.36
